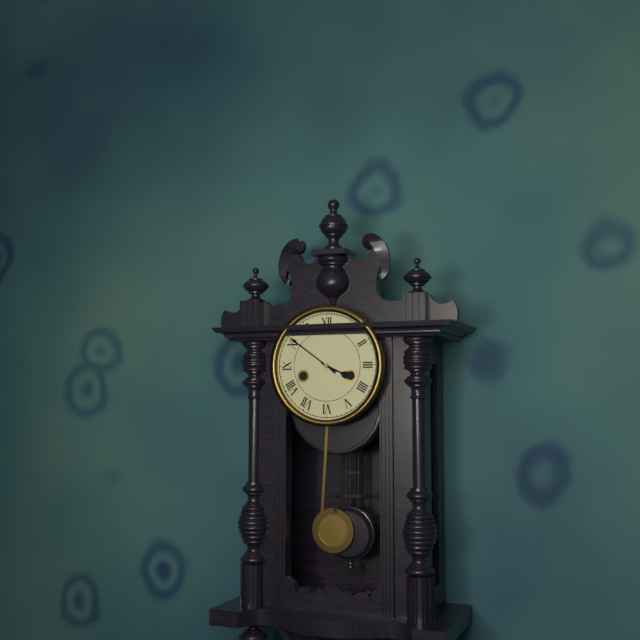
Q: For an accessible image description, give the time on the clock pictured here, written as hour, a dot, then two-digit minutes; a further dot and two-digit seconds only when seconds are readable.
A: 3.51
